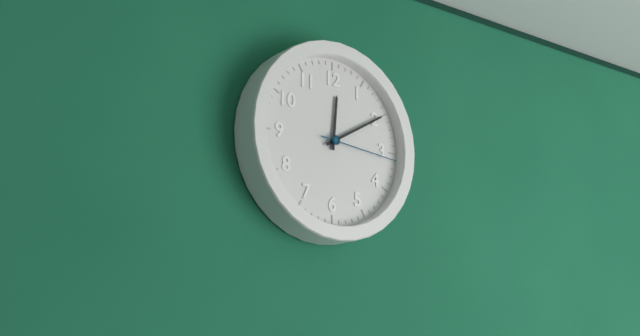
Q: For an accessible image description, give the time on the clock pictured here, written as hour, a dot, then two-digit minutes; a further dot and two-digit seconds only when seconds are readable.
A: 12.10.16
